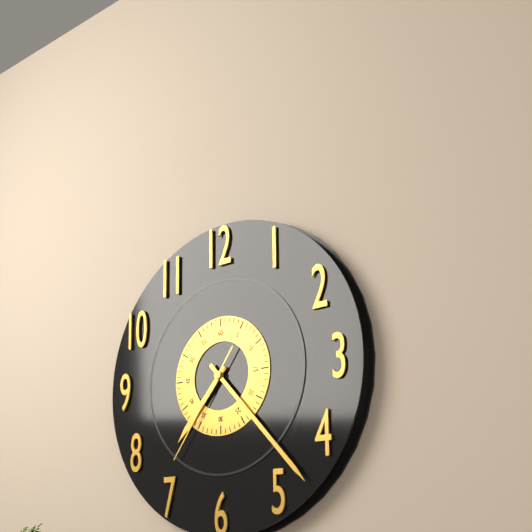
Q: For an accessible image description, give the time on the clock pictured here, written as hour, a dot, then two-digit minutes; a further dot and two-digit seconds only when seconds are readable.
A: 7.23.36
